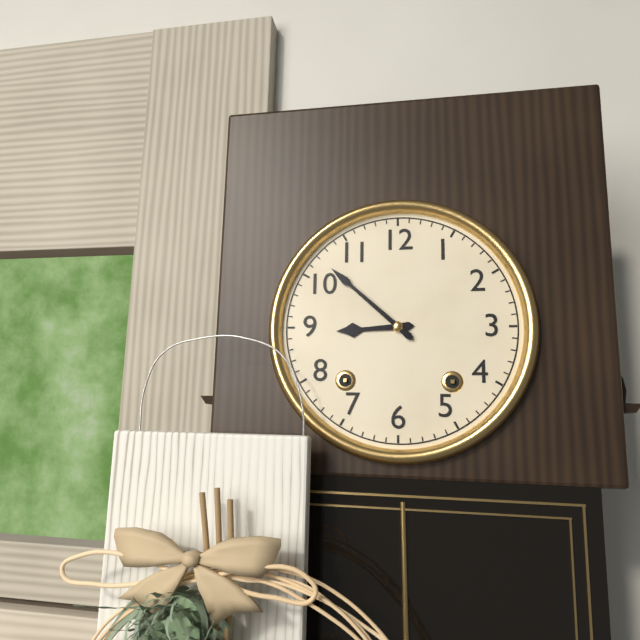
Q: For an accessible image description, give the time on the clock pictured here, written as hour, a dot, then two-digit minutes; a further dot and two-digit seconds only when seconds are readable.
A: 8.52
